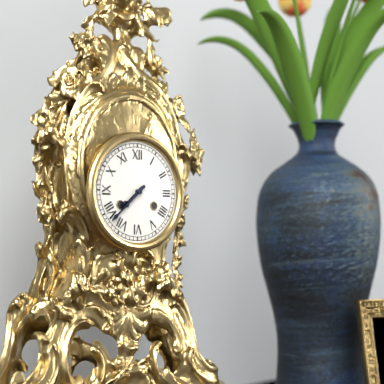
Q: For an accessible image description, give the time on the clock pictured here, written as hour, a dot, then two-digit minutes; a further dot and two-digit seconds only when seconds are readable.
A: 7.38
